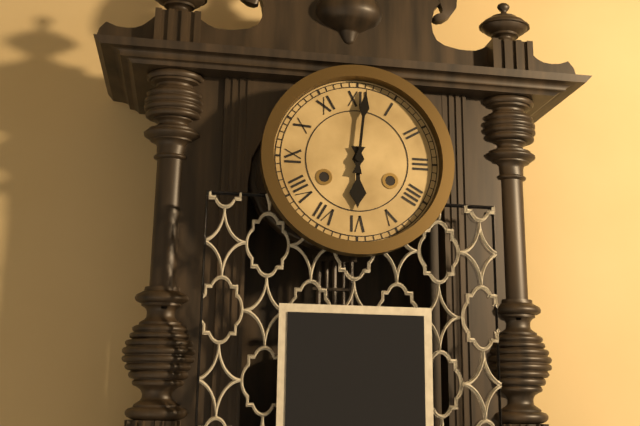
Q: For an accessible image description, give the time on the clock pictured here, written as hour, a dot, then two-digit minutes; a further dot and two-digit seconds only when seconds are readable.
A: 6.01
